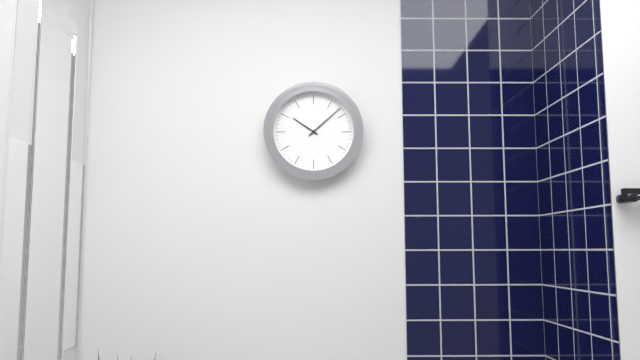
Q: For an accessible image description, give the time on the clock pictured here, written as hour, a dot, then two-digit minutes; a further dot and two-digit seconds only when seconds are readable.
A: 10.08
